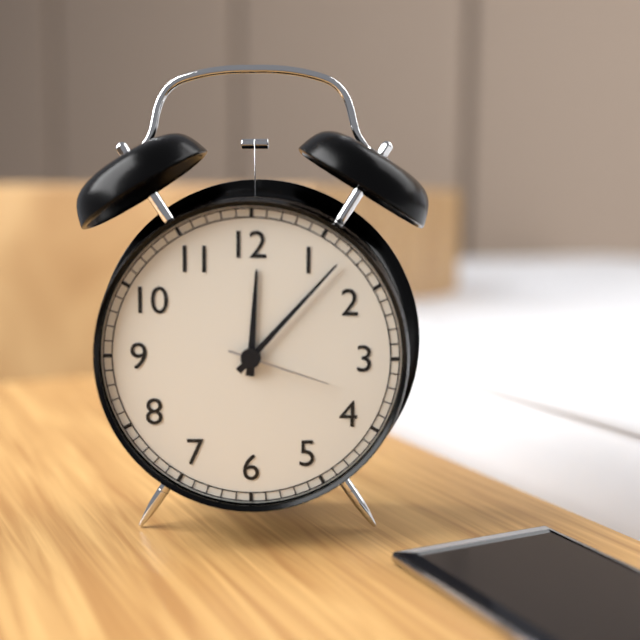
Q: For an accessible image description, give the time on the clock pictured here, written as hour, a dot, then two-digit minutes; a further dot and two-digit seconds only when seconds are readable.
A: 12.07.18
